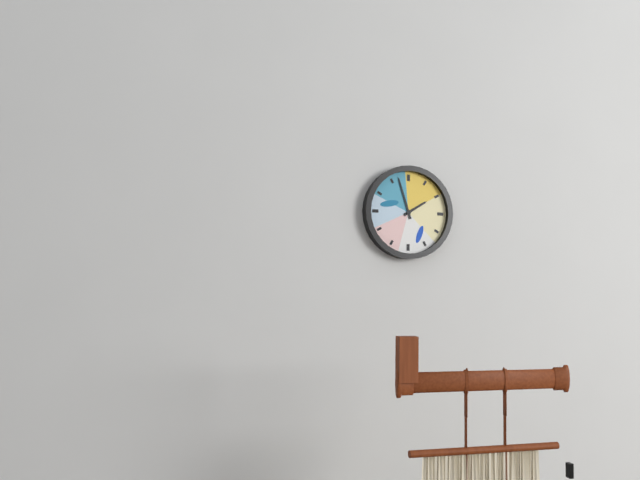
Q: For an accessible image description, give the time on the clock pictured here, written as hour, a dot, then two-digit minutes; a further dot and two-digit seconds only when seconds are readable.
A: 1.57
